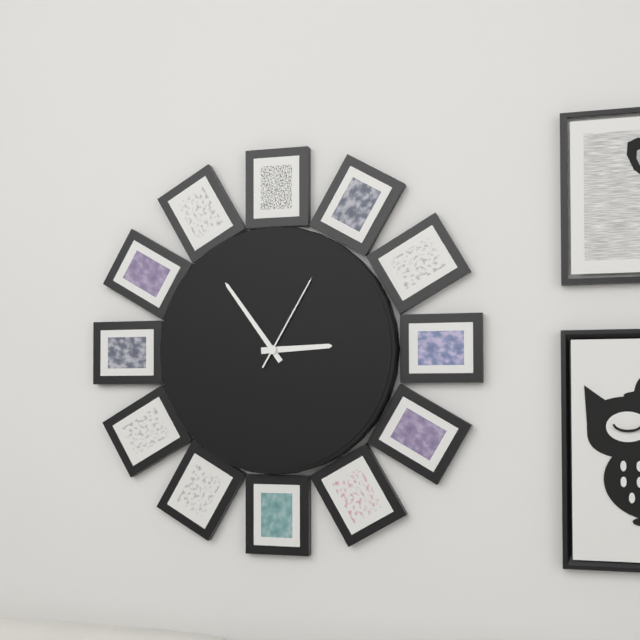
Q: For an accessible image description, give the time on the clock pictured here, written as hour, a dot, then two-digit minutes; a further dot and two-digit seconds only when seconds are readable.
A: 2.54.05
